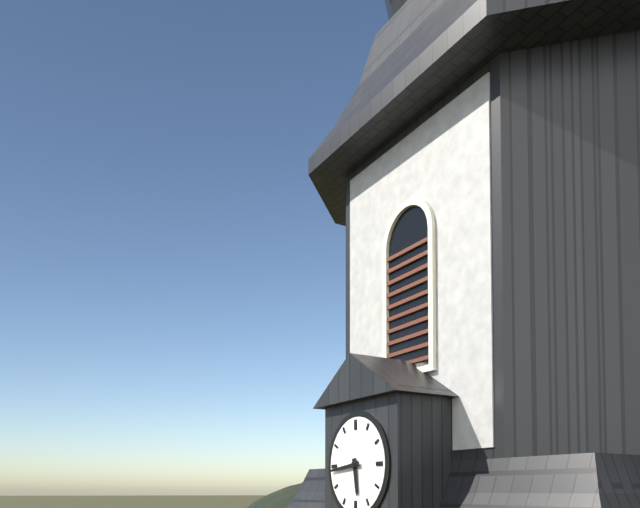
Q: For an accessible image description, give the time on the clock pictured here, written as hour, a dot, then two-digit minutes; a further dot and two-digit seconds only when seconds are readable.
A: 5.44
